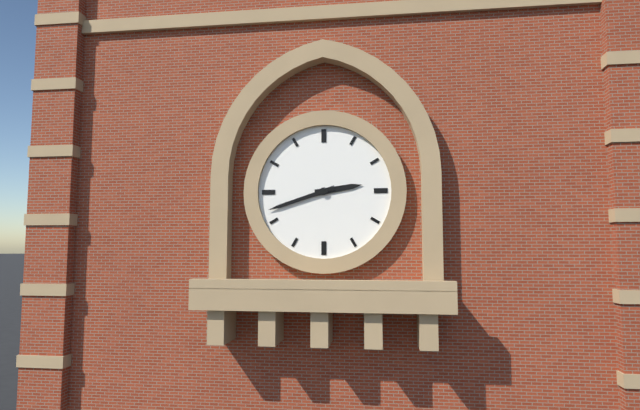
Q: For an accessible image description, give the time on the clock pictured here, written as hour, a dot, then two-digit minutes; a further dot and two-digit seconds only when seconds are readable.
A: 2.42
